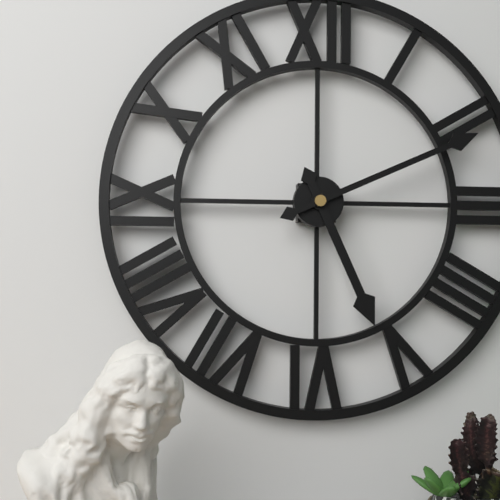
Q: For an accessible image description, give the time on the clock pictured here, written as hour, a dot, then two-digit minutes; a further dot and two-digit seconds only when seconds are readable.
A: 5.11
